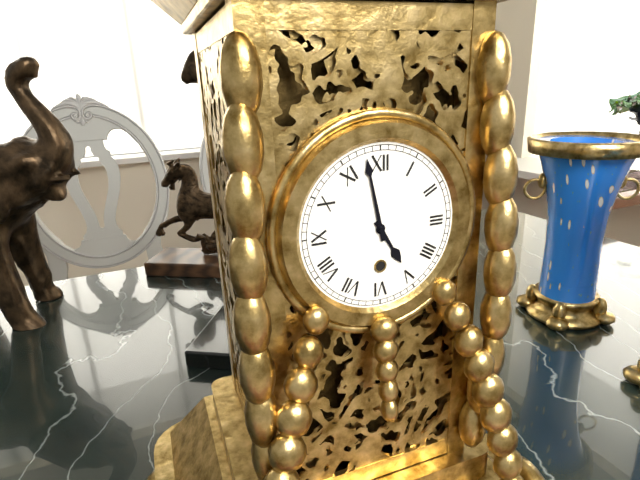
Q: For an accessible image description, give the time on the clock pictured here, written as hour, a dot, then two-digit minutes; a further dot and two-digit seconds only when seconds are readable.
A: 4.58
